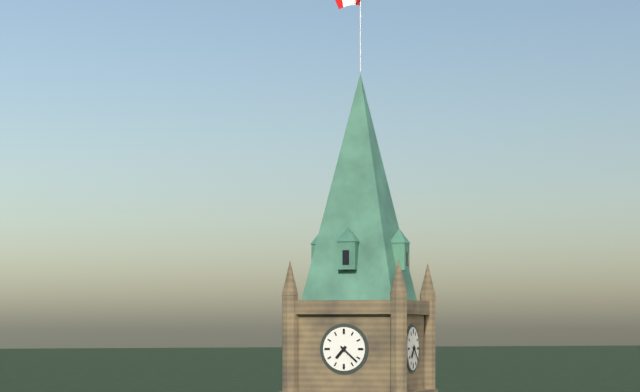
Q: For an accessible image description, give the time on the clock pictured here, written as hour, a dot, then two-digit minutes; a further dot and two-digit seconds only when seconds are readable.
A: 7.22
